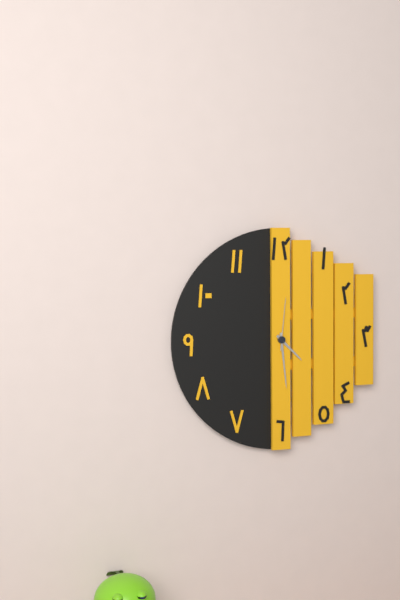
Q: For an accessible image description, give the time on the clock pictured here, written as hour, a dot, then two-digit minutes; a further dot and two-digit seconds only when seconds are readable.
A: 4.29.01
